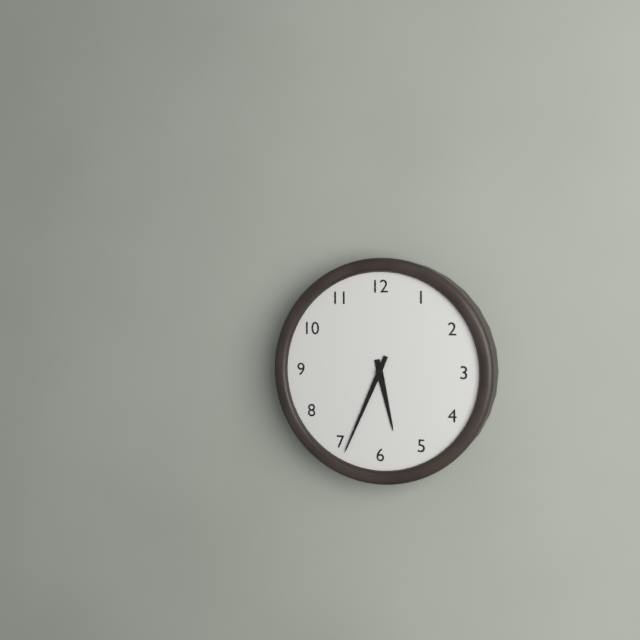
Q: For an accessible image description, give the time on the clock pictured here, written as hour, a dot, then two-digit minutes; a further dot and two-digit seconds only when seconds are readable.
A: 5.34
